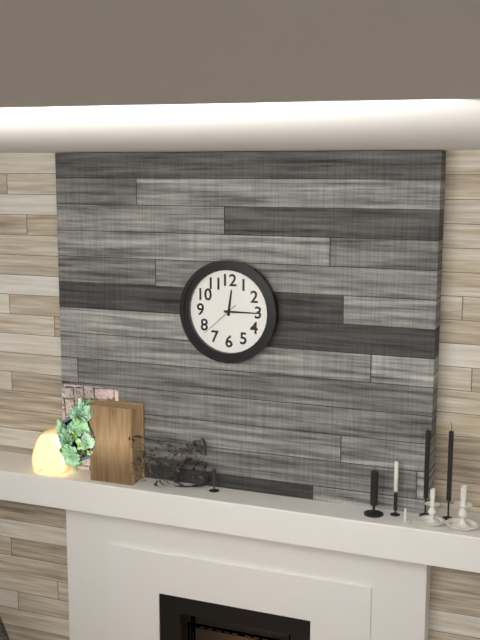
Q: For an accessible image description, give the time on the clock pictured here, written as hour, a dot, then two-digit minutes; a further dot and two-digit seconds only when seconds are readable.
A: 12.15
